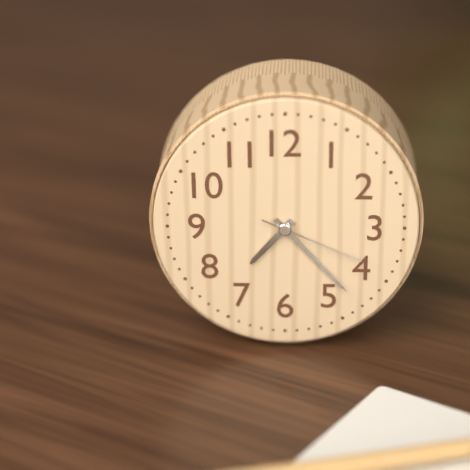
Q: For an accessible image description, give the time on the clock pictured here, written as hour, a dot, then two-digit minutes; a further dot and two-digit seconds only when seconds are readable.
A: 7.23.19
